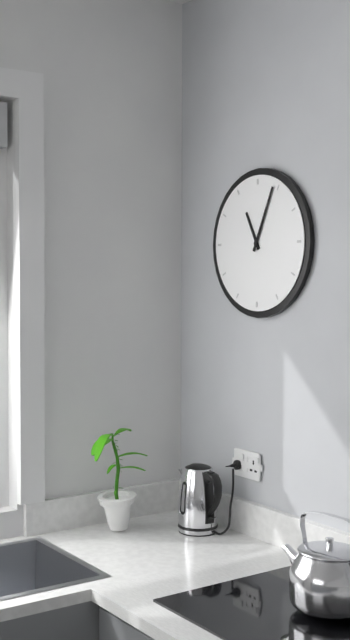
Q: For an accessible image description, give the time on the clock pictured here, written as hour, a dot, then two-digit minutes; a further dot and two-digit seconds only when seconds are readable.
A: 11.04
